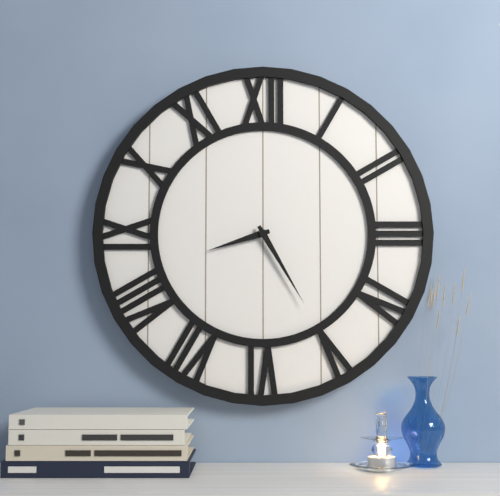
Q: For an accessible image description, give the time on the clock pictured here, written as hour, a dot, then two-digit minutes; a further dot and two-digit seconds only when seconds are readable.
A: 8.25
